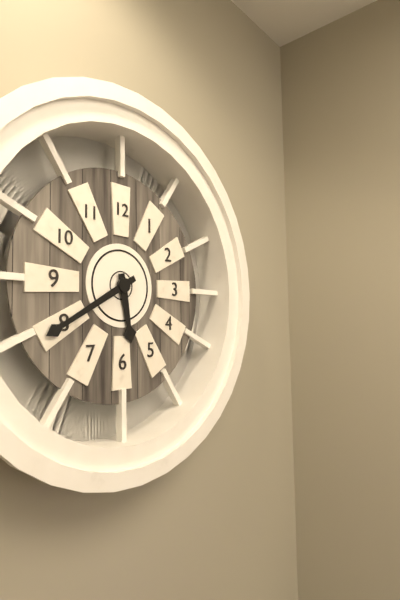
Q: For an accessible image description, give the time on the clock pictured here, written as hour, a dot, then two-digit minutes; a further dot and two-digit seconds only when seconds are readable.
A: 5.40
